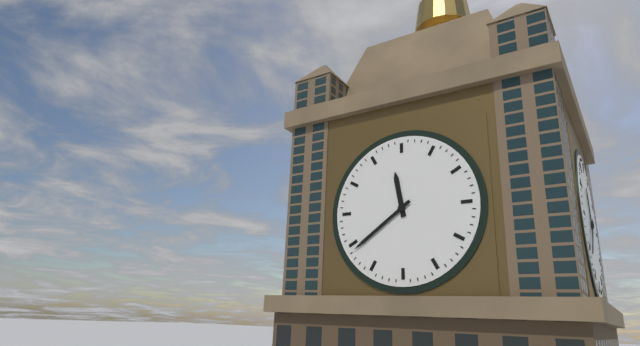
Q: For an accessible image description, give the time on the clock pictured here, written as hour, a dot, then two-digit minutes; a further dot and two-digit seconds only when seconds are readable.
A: 11.39
